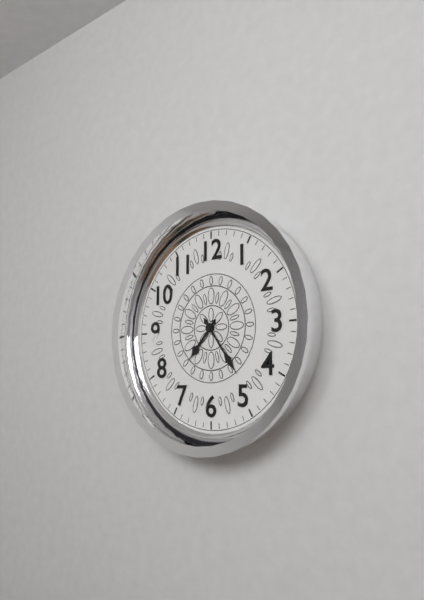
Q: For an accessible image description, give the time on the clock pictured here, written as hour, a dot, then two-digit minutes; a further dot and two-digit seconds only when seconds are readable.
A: 7.24
